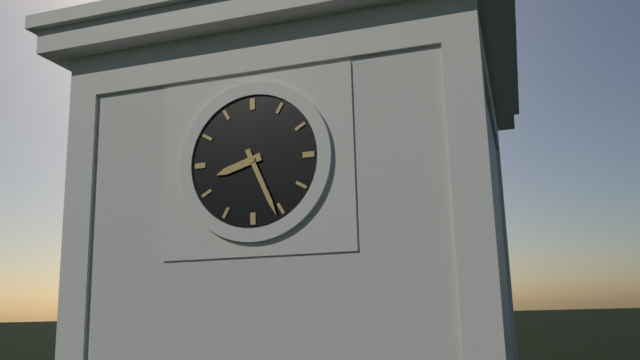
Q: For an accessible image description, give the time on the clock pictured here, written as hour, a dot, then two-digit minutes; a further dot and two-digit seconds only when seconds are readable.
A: 8.26
